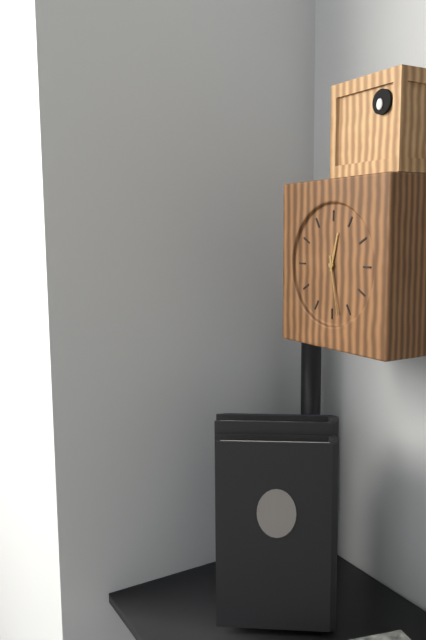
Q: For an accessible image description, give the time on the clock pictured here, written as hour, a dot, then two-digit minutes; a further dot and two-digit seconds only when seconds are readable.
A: 12.28
